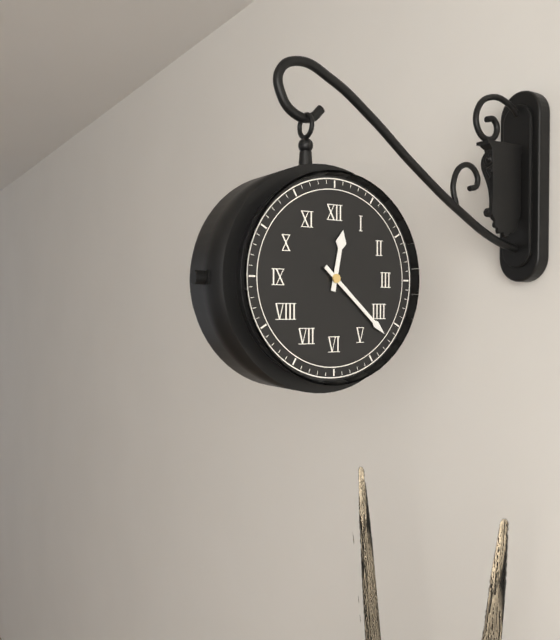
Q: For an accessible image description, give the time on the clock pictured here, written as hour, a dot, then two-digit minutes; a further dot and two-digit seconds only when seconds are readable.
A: 12.22
